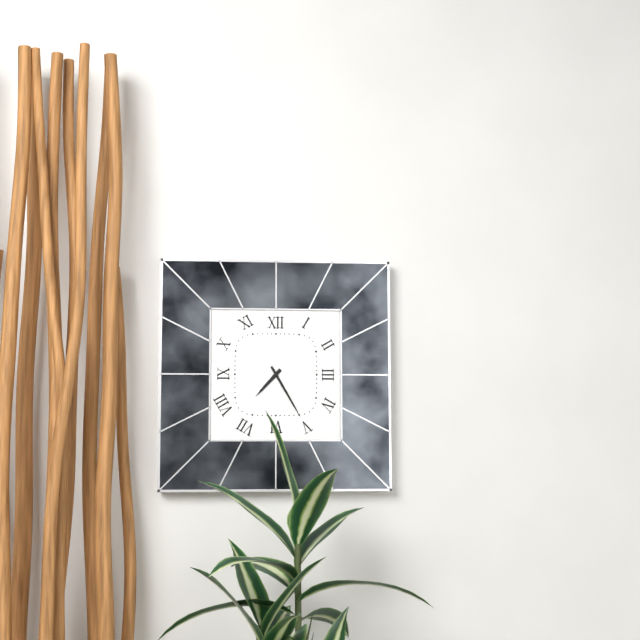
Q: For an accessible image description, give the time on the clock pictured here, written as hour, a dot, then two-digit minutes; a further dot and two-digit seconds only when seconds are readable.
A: 7.25
